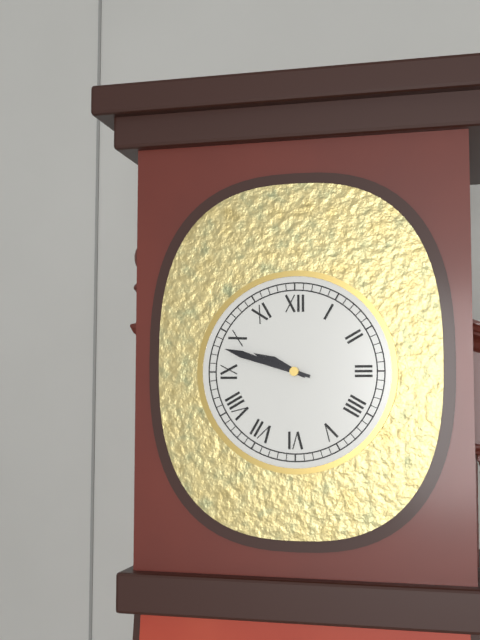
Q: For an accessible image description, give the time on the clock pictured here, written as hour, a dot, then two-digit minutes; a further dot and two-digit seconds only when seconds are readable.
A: 9.48
